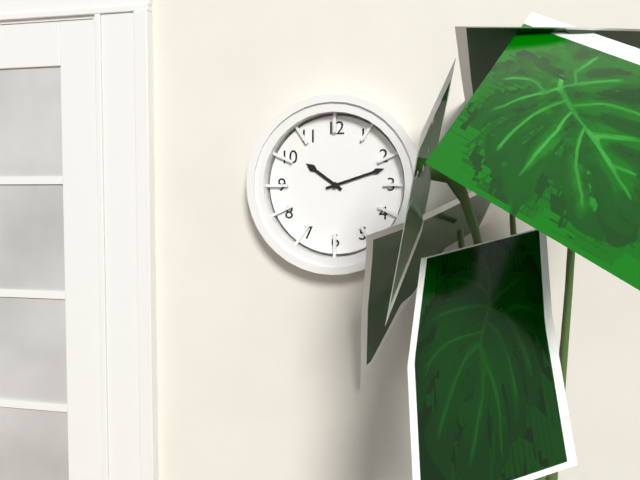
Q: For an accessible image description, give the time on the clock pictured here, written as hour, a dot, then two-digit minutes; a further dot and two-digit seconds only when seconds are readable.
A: 10.12
